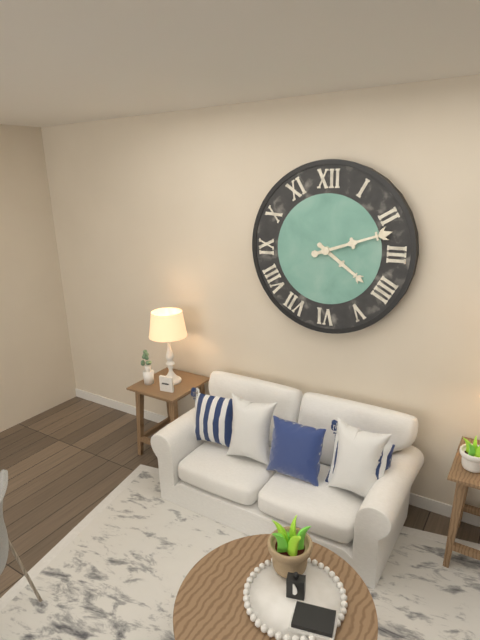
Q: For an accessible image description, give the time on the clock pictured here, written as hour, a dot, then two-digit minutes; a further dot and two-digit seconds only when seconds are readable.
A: 4.12
